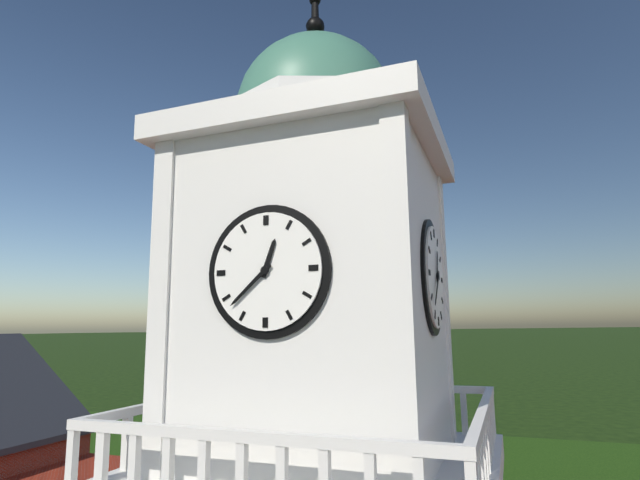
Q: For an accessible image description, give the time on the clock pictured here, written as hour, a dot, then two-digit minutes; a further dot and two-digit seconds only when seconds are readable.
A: 12.38
